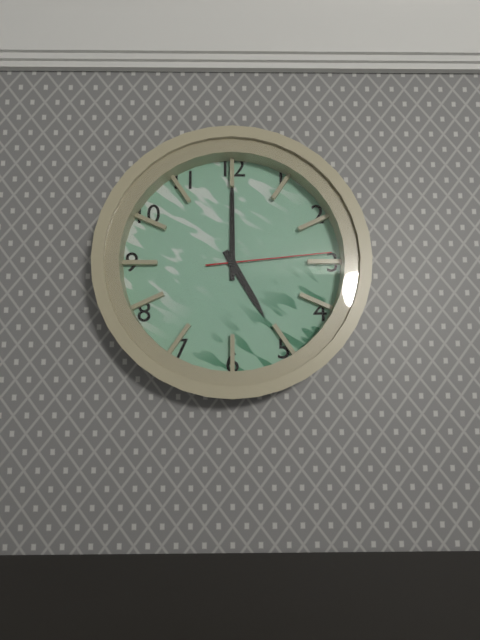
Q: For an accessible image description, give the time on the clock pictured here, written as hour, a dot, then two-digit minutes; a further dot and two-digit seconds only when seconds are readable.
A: 5.00.14
